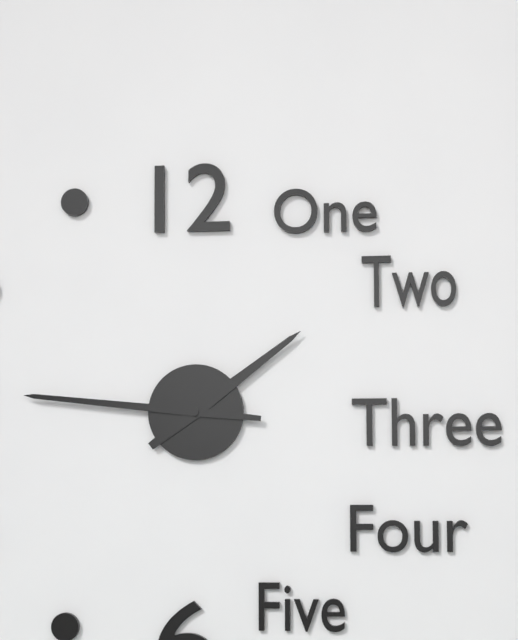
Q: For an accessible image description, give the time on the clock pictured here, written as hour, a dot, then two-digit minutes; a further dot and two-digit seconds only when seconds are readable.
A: 1.46
